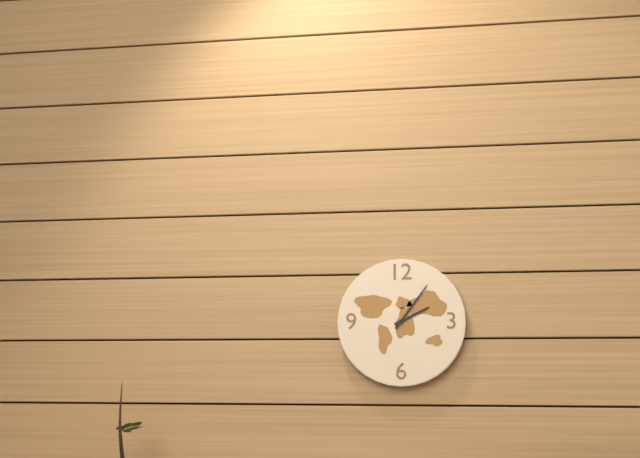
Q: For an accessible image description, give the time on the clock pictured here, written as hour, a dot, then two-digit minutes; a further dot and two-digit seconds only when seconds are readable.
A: 2.06
